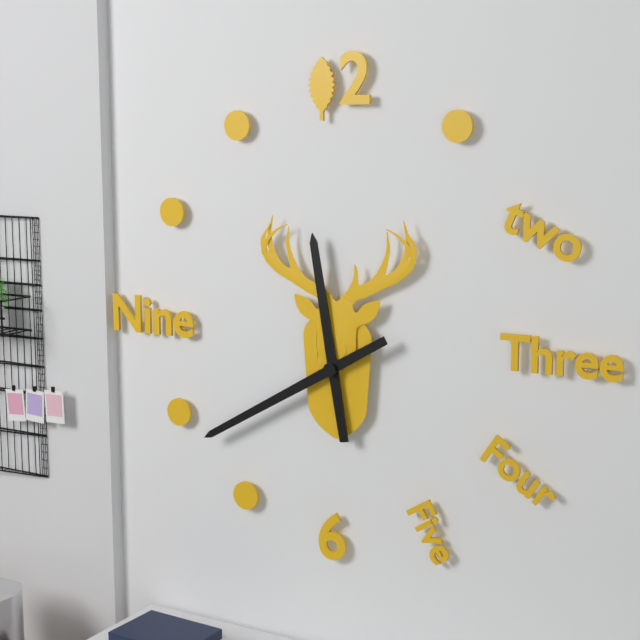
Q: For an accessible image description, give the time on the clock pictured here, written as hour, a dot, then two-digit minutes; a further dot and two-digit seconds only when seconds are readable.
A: 11.40
